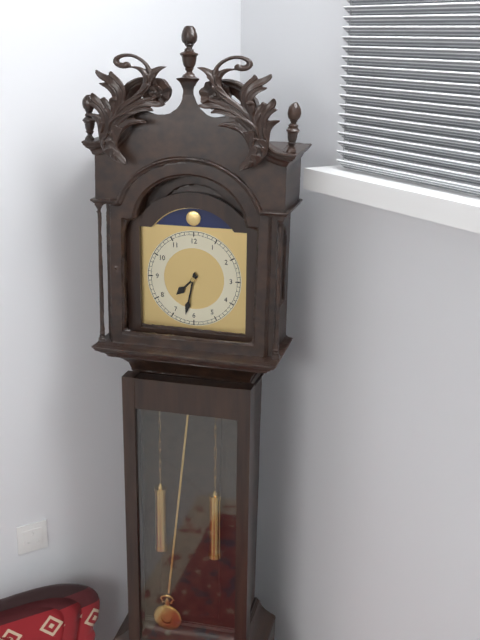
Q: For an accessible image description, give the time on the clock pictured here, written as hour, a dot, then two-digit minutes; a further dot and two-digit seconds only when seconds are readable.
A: 7.32
